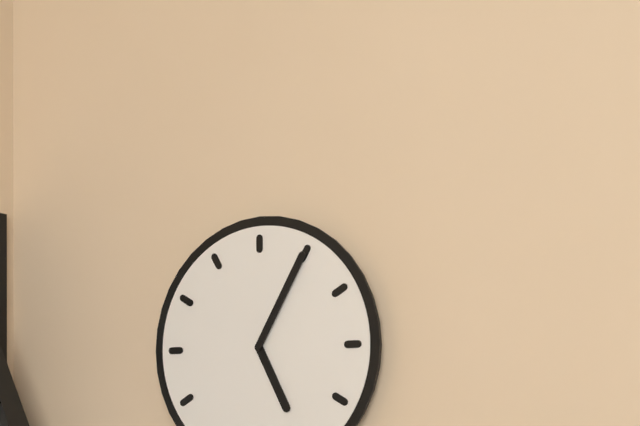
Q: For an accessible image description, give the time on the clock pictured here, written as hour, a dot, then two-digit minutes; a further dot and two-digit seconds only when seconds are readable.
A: 5.05
